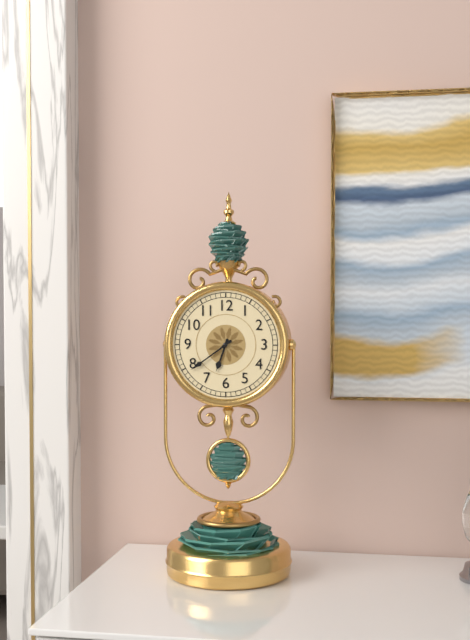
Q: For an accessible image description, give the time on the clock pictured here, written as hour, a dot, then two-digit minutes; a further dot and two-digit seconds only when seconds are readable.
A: 6.39
